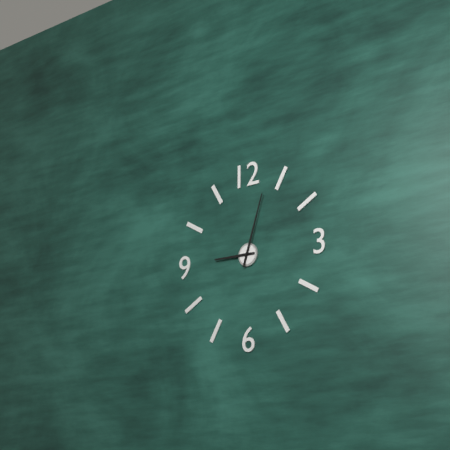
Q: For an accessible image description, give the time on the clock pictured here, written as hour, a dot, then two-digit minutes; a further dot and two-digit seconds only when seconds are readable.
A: 9.03
